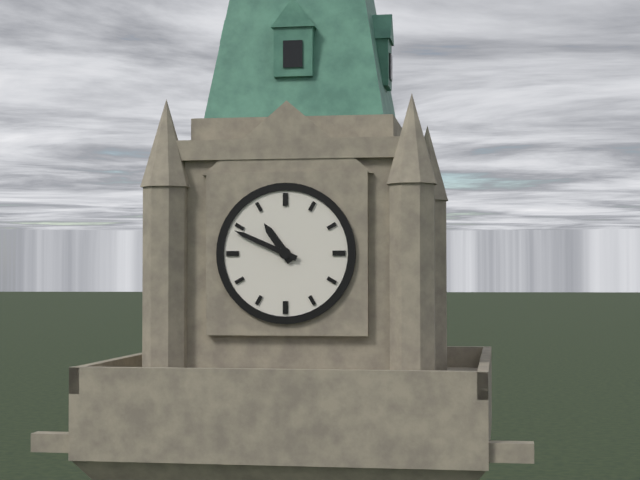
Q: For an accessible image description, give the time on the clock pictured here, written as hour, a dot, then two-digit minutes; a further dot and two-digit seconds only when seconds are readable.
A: 10.49
